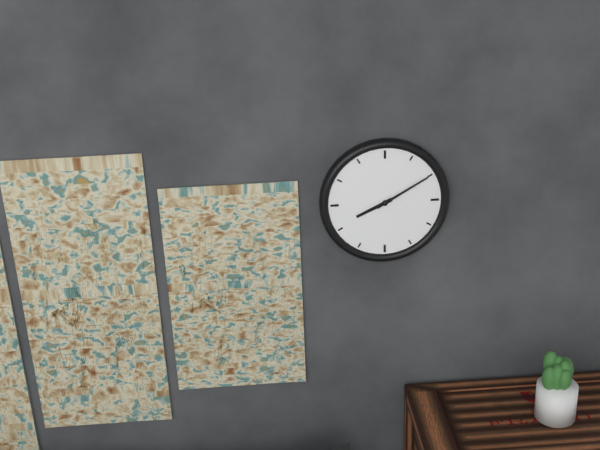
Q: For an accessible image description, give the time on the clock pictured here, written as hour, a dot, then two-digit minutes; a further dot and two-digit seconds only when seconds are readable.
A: 8.10
